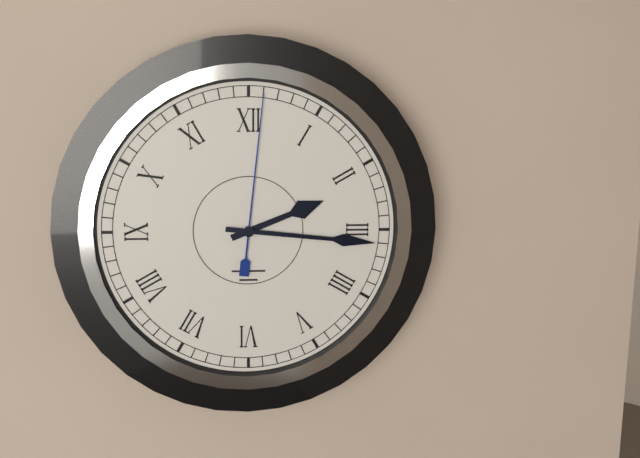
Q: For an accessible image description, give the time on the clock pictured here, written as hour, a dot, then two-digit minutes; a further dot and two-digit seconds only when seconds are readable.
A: 2.16.01
